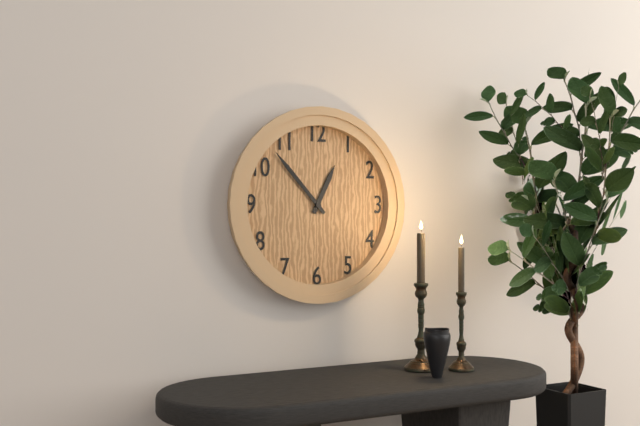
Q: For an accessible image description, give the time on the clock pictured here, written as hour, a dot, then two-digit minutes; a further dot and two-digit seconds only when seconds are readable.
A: 12.53
